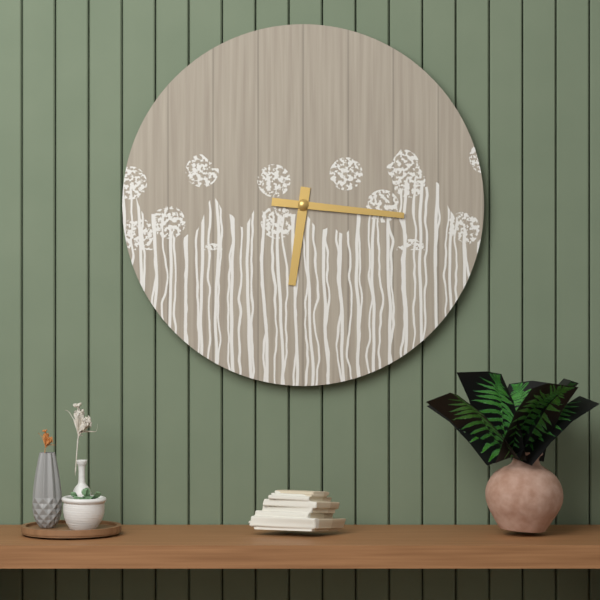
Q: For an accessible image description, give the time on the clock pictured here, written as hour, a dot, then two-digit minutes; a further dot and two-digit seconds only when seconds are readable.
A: 6.16
